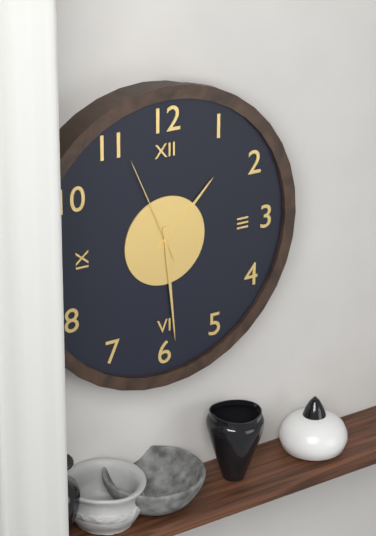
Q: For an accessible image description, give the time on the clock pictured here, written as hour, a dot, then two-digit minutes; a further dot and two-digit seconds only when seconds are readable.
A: 1.29.56
